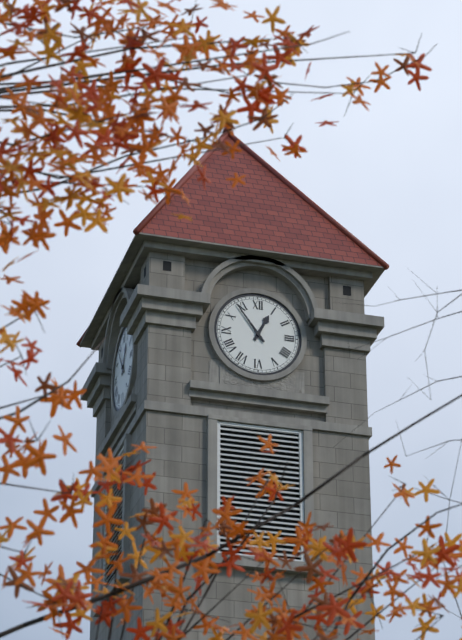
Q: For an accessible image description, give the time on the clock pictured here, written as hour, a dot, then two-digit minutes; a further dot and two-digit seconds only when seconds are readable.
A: 12.54
